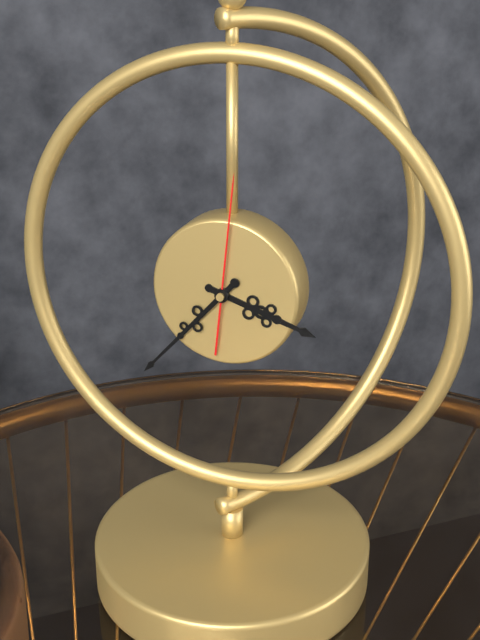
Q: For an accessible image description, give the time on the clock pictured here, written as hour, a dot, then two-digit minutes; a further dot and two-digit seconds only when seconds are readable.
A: 3.37.01
